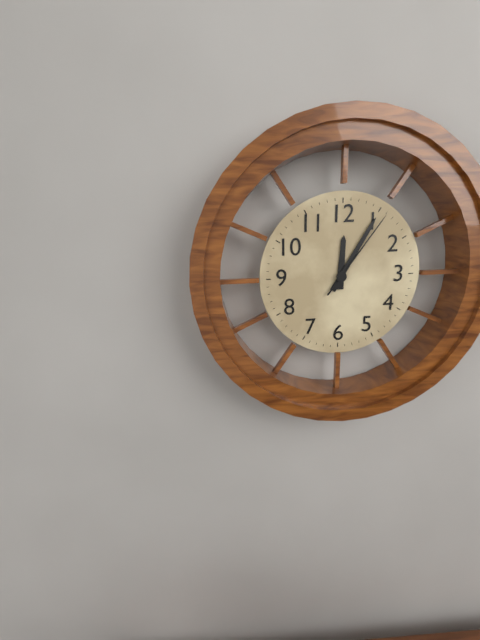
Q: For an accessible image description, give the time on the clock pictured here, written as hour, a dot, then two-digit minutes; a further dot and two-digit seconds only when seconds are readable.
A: 12.05.06
